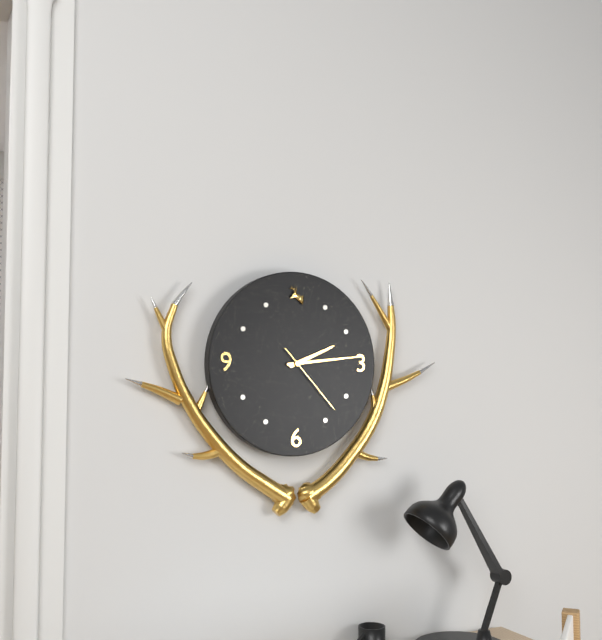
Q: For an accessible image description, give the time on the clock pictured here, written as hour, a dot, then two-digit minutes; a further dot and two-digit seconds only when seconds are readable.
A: 2.14.23
